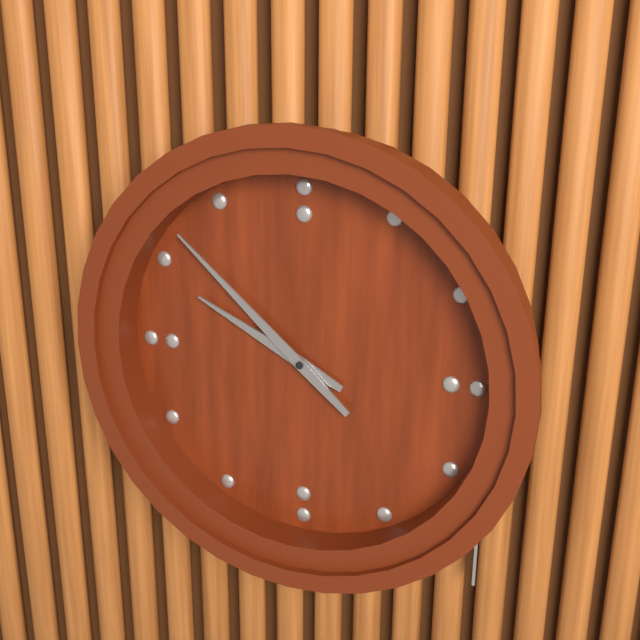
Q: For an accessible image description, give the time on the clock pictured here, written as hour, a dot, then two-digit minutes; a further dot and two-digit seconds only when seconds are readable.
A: 9.52
